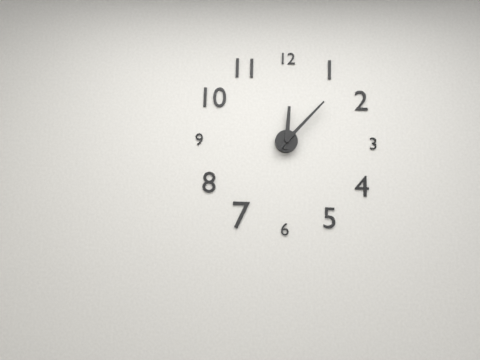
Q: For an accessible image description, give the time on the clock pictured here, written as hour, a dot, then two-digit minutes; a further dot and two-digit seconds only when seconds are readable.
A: 12.07
